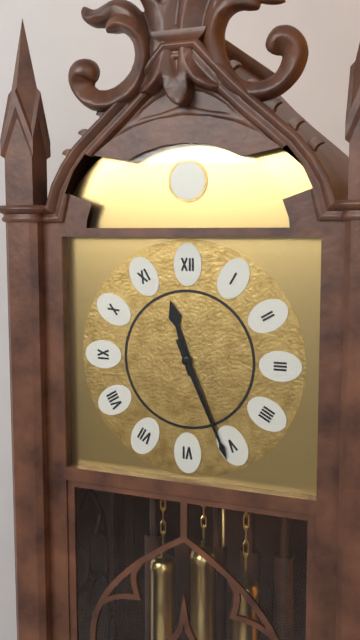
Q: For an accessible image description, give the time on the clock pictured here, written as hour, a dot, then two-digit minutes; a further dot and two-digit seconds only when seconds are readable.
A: 11.26
